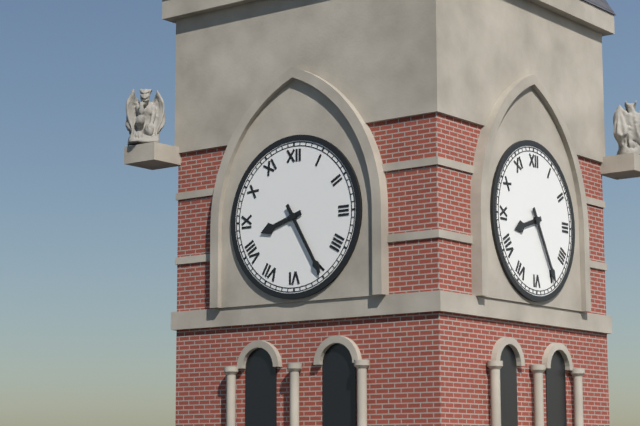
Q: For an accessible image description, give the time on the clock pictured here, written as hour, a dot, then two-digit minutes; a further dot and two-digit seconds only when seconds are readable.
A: 8.25
